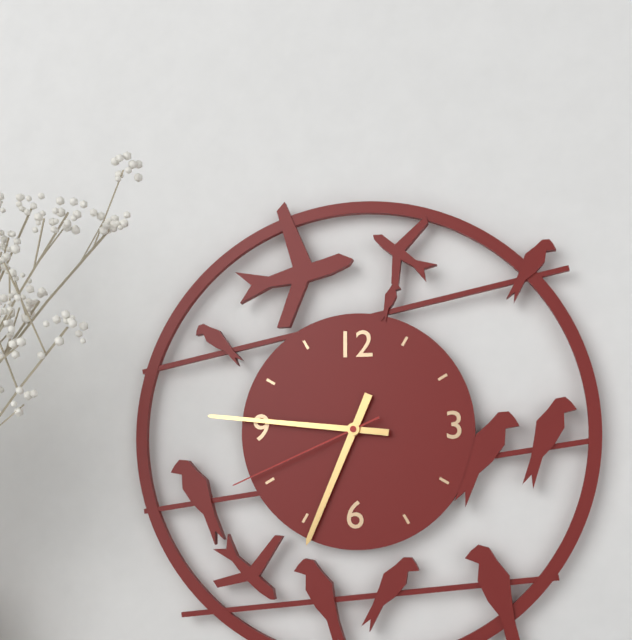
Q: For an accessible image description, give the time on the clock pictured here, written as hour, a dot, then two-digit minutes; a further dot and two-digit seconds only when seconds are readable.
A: 6.46.41
